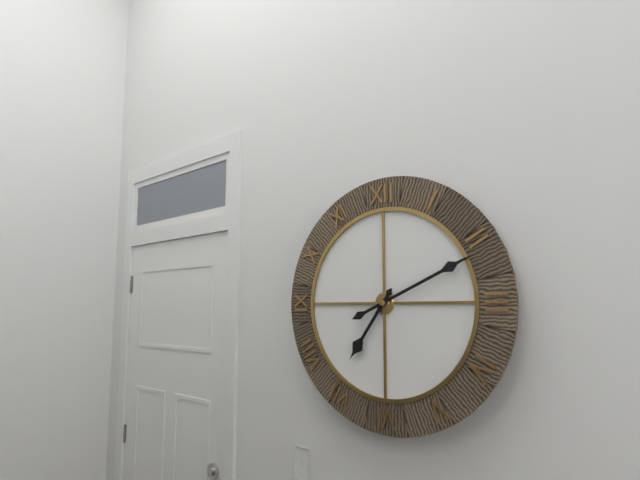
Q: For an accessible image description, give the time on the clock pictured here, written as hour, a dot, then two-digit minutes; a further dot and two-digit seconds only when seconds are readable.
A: 7.11
